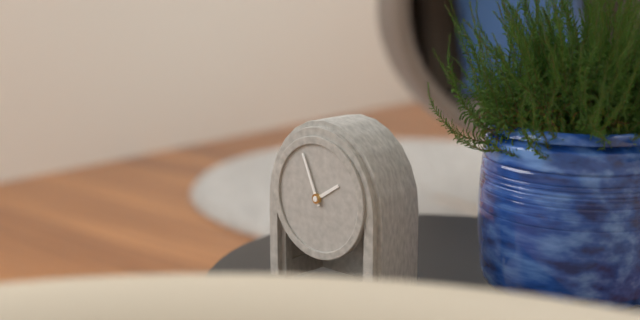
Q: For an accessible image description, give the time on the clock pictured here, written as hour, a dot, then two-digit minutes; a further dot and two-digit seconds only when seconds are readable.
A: 1.56
